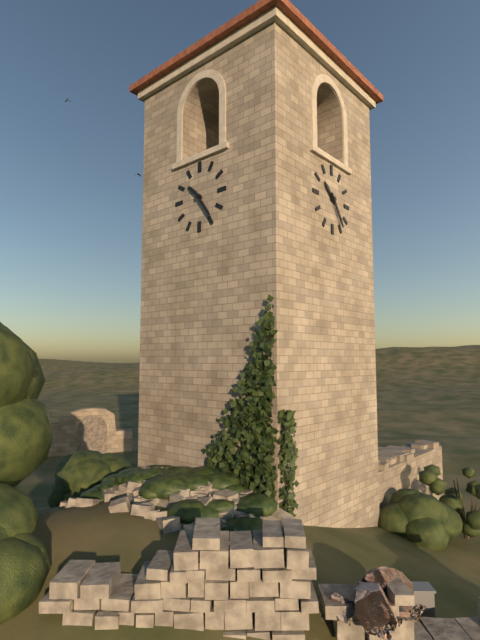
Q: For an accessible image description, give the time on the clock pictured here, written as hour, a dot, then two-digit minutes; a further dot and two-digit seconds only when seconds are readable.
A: 10.24
